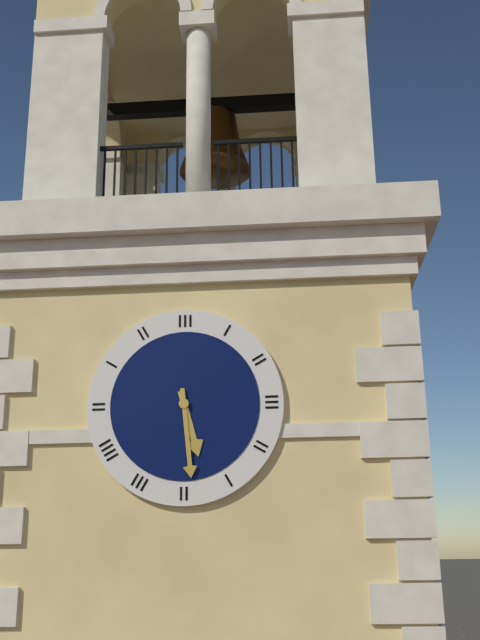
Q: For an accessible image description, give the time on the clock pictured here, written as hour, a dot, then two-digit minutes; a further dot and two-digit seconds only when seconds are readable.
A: 5.29
